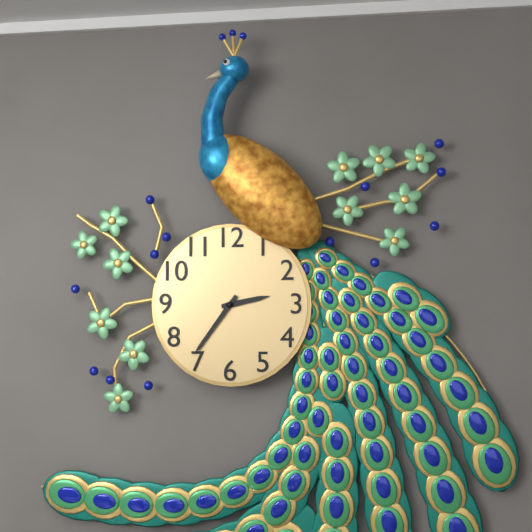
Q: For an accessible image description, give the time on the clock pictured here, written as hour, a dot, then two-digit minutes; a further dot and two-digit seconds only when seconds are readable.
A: 2.36
